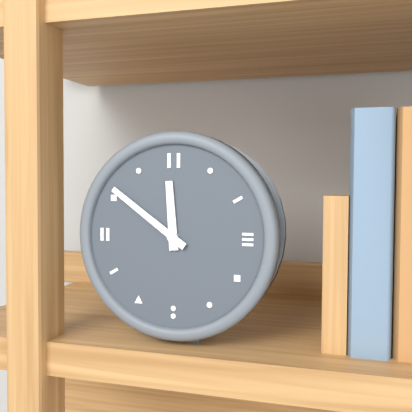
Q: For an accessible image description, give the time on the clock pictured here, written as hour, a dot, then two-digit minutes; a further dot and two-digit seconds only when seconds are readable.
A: 11.51
